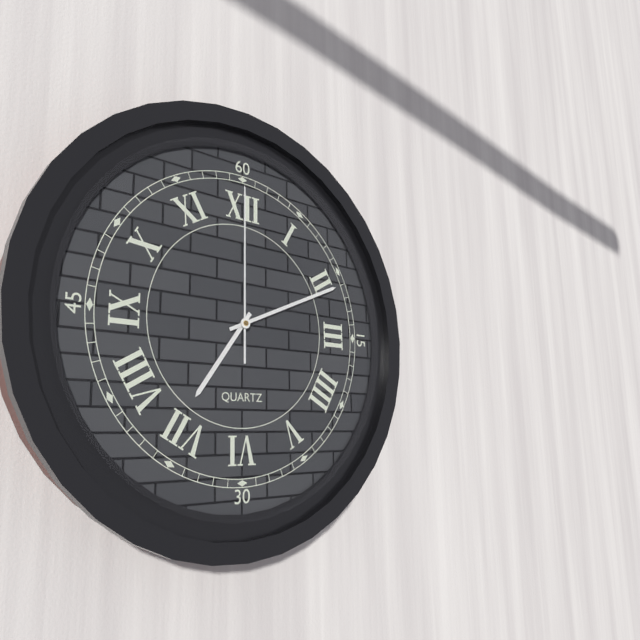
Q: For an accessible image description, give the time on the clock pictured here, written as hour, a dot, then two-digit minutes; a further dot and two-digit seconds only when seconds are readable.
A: 7.11.00
